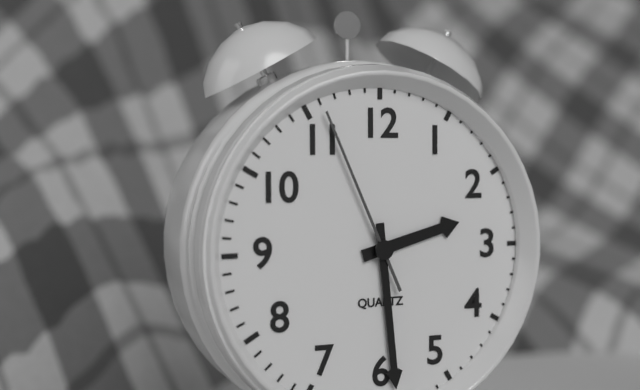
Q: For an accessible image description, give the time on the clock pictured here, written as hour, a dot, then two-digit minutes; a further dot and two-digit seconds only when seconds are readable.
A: 2.29.56
